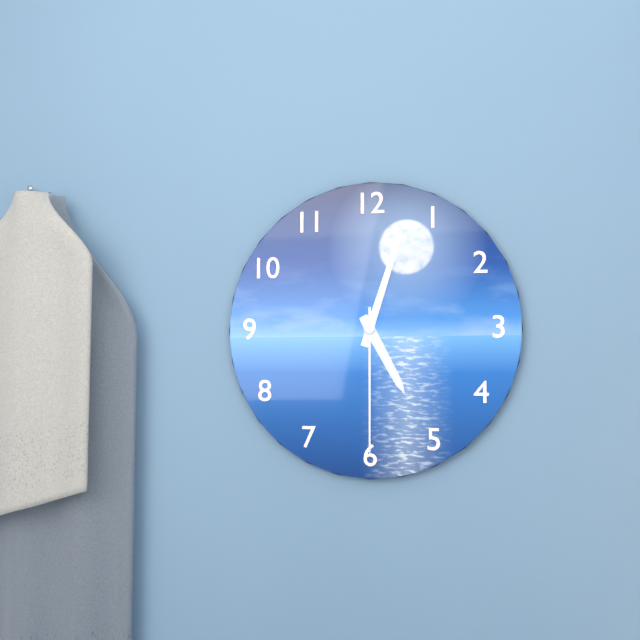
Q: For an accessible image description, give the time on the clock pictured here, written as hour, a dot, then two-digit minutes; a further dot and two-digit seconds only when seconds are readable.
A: 5.03.30
